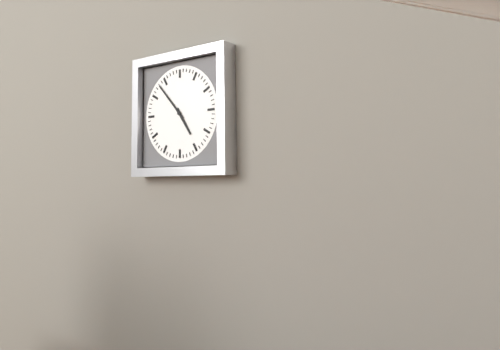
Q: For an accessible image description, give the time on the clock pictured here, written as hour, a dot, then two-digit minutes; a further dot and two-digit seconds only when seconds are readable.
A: 4.53
